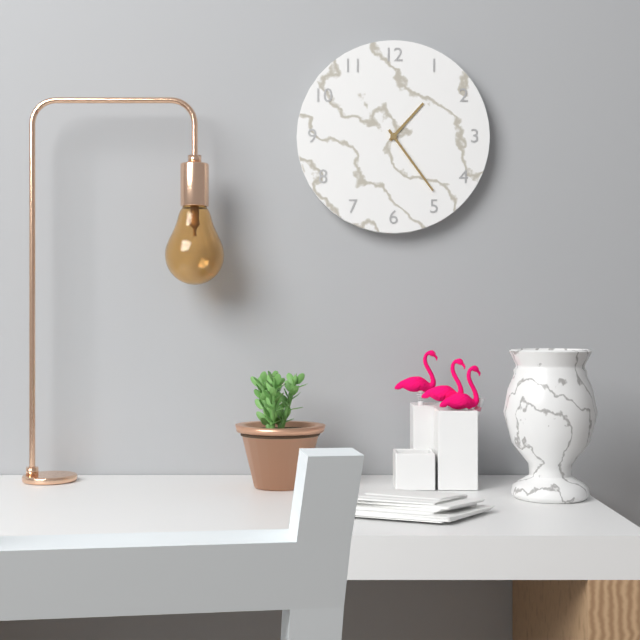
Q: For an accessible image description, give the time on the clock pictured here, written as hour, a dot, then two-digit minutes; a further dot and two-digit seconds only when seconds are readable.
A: 1.24
